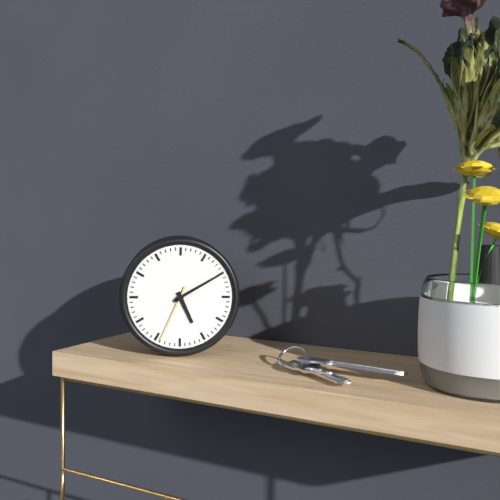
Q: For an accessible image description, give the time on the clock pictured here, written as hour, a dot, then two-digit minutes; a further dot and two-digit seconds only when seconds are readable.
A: 5.10.34
